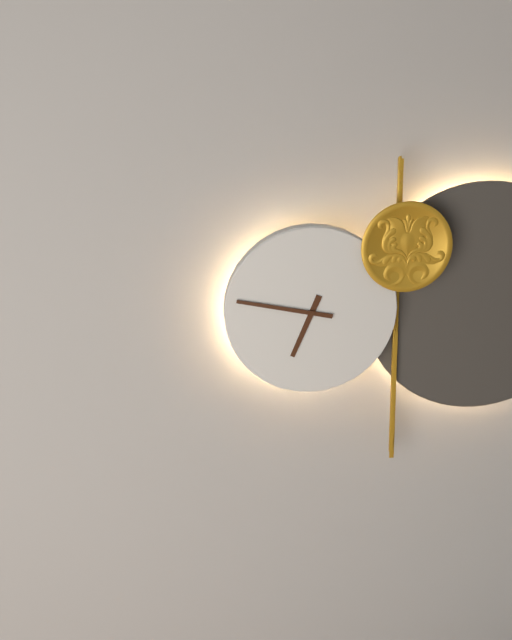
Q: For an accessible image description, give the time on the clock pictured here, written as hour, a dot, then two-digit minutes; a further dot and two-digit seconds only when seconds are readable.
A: 6.47
